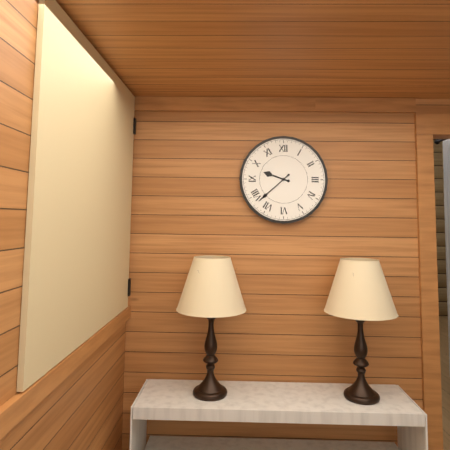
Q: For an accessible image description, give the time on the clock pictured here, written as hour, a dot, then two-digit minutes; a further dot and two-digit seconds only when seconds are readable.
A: 9.38
